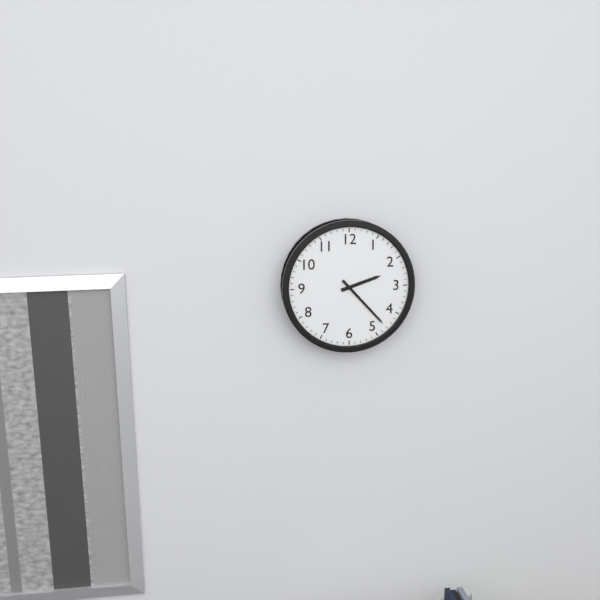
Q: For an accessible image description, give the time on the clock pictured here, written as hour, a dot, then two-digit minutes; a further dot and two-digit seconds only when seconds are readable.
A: 2.23
